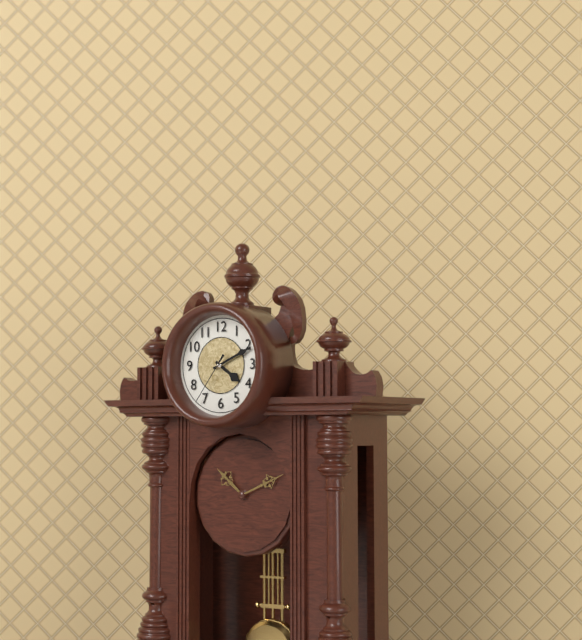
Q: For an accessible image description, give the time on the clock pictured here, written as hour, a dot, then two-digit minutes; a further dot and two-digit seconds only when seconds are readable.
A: 4.11.36
